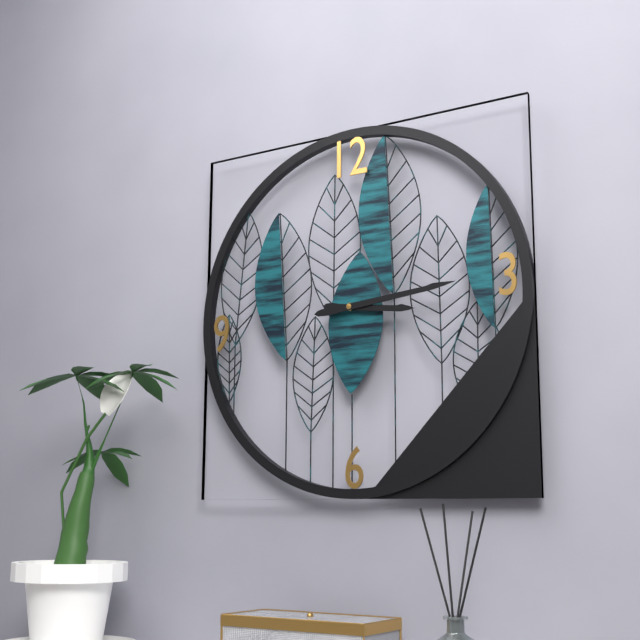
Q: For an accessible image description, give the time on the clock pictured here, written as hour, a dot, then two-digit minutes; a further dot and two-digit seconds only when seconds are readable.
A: 3.14
